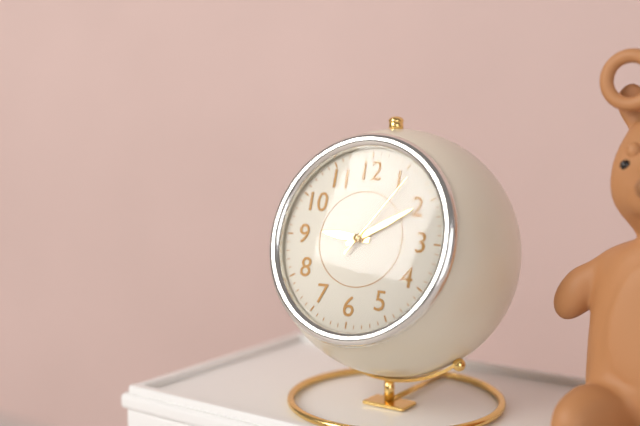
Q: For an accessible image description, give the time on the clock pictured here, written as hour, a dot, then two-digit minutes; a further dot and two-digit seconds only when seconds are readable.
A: 9.10.06
